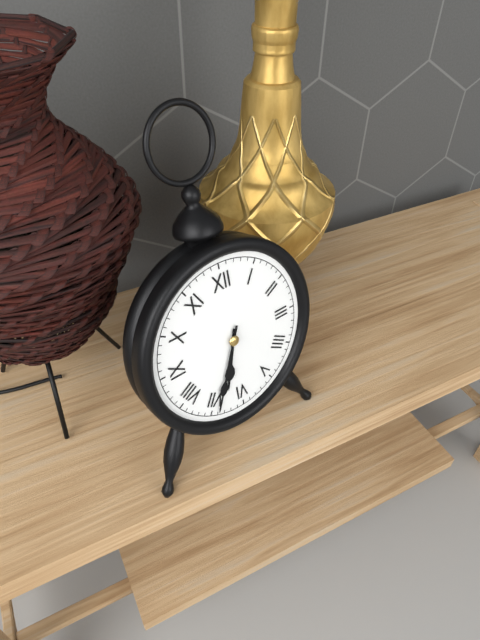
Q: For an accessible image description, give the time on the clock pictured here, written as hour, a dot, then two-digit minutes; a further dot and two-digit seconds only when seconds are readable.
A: 6.34
